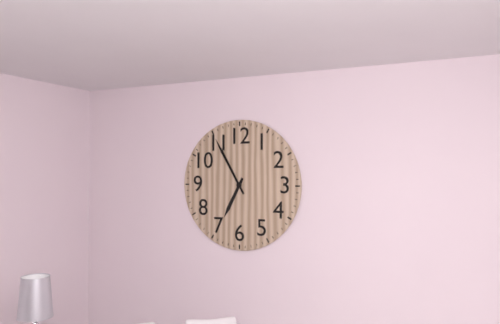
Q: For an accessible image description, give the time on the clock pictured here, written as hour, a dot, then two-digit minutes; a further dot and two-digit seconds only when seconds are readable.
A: 6.55
